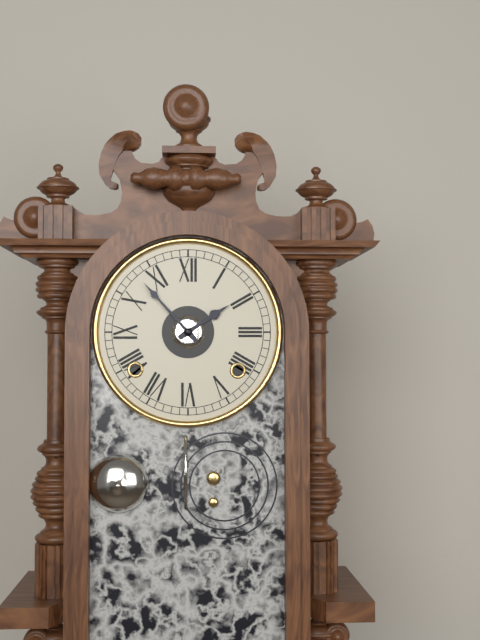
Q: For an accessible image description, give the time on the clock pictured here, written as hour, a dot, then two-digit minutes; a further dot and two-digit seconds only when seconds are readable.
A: 1.53
